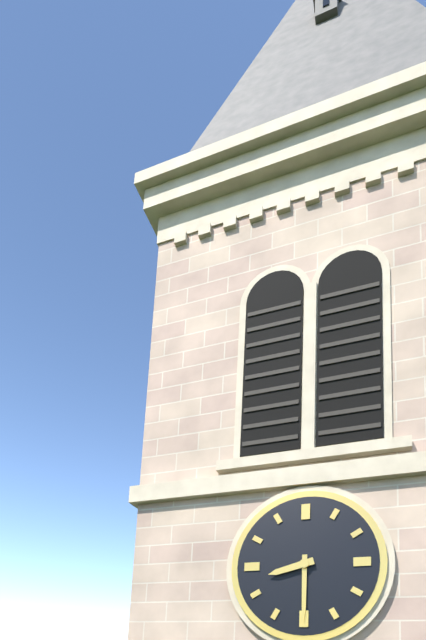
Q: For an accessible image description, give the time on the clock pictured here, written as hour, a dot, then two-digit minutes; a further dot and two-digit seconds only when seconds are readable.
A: 8.30
